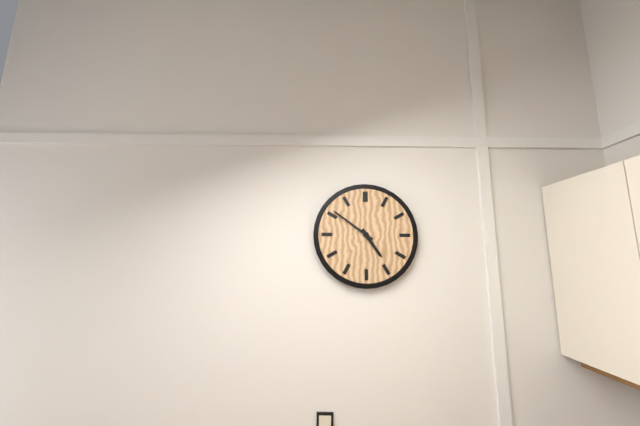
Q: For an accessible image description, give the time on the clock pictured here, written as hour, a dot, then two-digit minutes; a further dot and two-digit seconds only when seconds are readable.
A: 4.51
